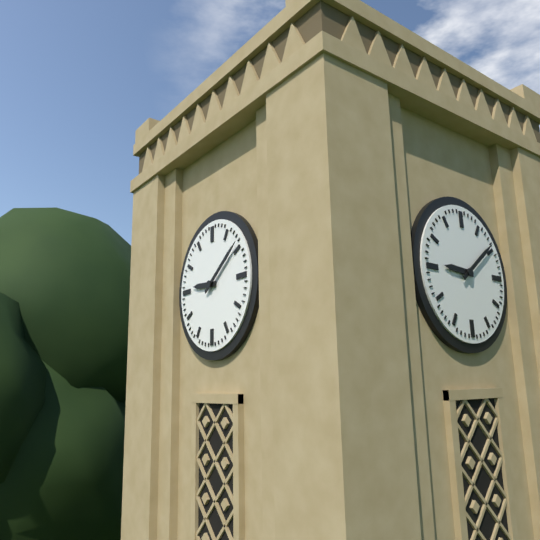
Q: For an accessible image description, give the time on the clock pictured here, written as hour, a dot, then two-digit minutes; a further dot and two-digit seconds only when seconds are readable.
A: 9.09
